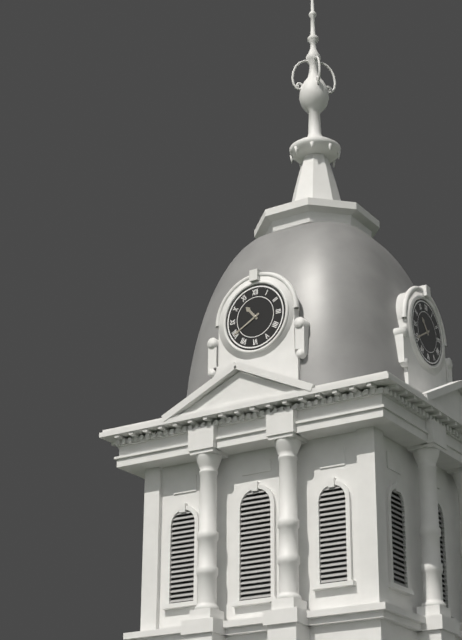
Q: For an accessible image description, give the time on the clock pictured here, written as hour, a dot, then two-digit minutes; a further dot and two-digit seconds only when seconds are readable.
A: 10.40
